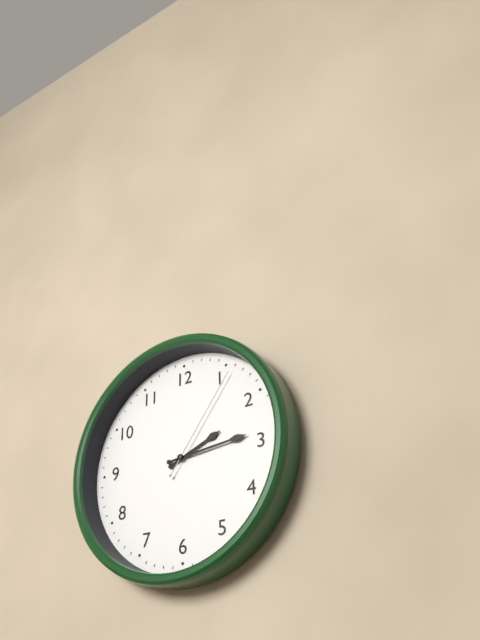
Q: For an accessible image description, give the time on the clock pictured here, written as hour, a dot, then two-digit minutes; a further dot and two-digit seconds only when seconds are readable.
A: 2.14.06
